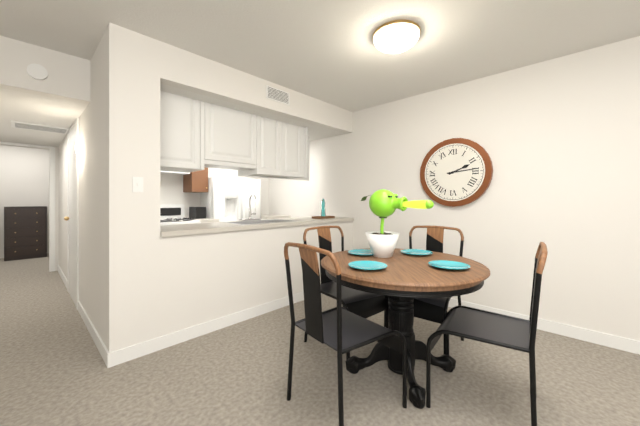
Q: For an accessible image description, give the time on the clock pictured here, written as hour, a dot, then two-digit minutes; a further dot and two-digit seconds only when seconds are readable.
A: 2.14
